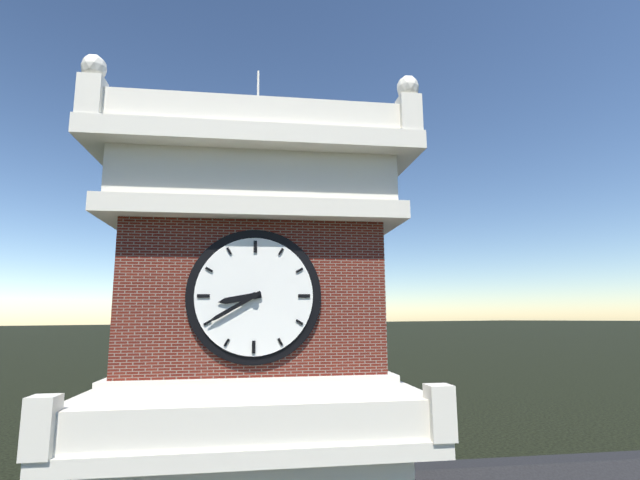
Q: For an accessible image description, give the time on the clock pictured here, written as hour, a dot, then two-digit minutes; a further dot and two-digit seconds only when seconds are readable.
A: 8.40
